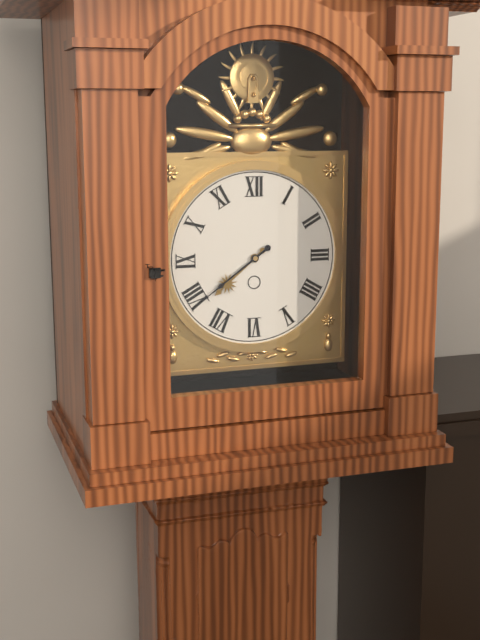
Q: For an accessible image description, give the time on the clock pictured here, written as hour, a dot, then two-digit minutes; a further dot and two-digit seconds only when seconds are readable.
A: 7.39
